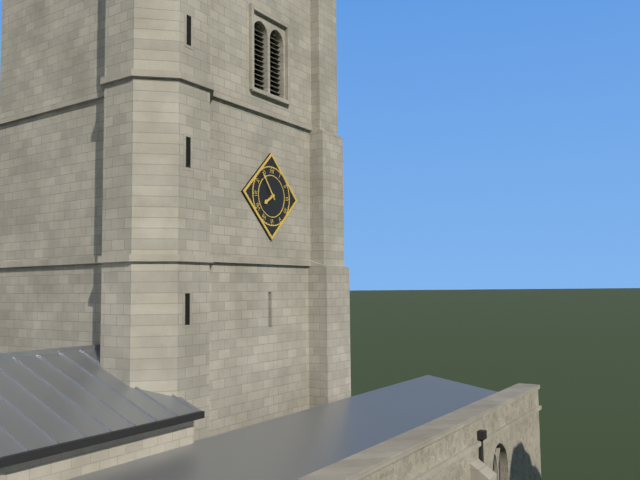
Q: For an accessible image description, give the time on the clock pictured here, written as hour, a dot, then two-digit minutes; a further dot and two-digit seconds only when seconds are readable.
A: 7.54
